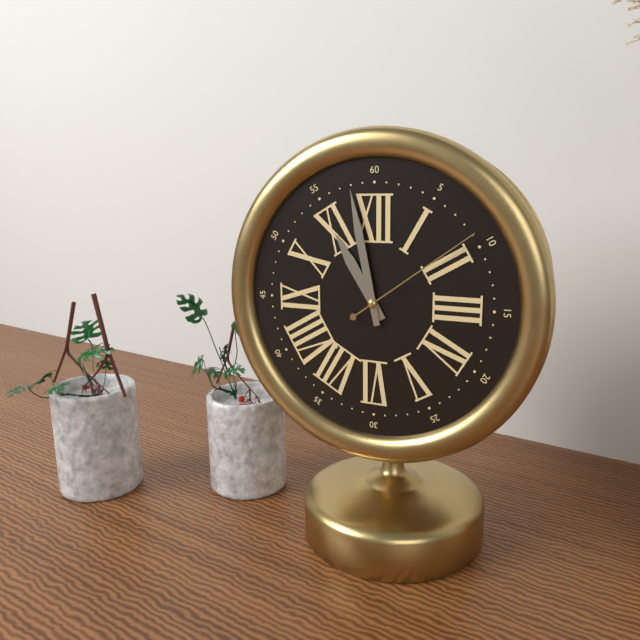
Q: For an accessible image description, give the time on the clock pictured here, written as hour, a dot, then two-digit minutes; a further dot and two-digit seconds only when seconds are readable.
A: 10.58.09
